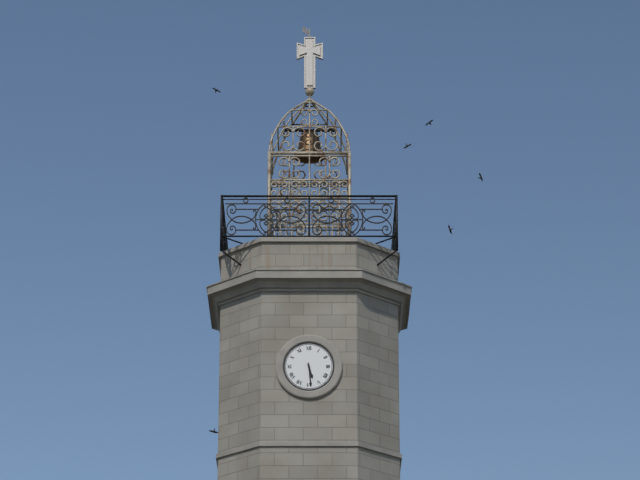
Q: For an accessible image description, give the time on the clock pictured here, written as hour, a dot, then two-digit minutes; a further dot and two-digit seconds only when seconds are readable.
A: 5.29
